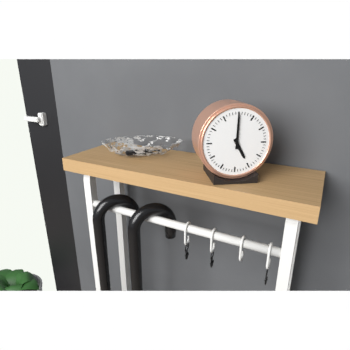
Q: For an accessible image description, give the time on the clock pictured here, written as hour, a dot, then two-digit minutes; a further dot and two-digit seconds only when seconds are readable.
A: 5.00
